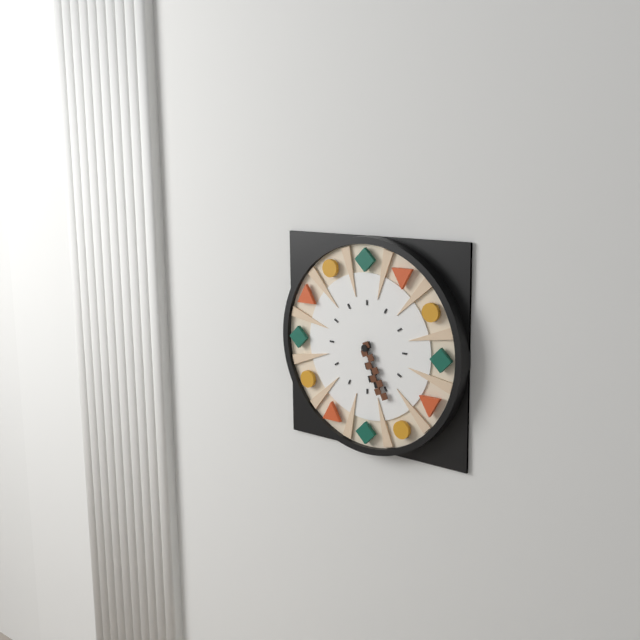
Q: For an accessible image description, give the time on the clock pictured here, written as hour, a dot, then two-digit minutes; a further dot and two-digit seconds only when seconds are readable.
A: 5.26
